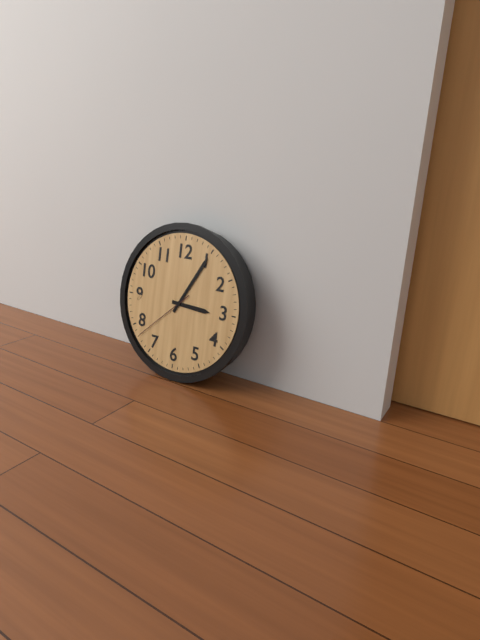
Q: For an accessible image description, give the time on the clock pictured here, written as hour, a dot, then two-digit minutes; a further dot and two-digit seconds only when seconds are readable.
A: 3.05.38
